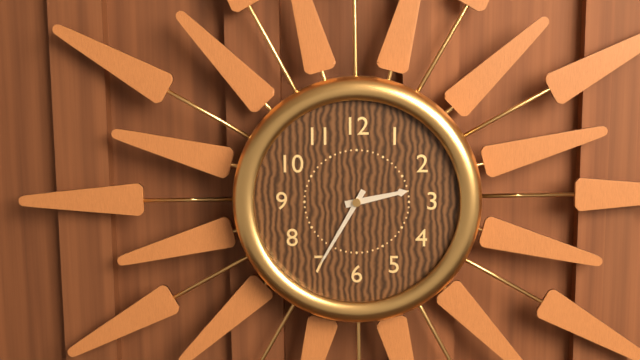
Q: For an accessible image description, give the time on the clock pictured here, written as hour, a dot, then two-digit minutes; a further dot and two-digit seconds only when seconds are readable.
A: 2.35
